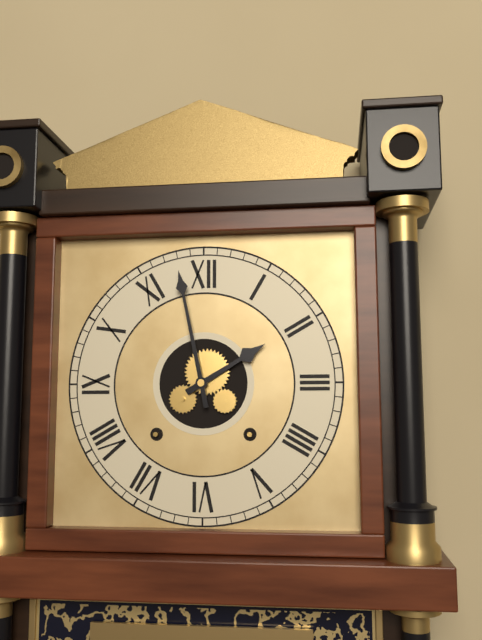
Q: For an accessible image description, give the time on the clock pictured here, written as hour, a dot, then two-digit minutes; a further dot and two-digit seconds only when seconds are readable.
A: 1.58
